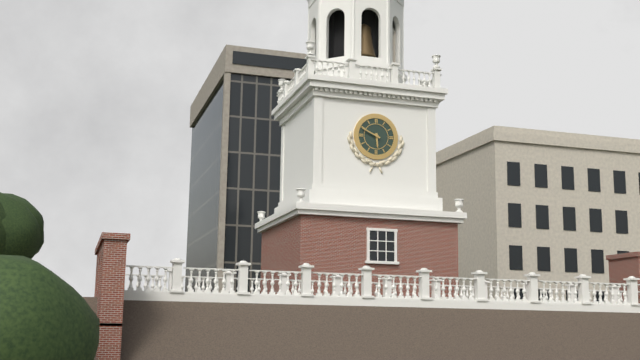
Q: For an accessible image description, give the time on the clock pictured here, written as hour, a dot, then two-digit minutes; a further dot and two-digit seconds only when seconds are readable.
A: 5.49
